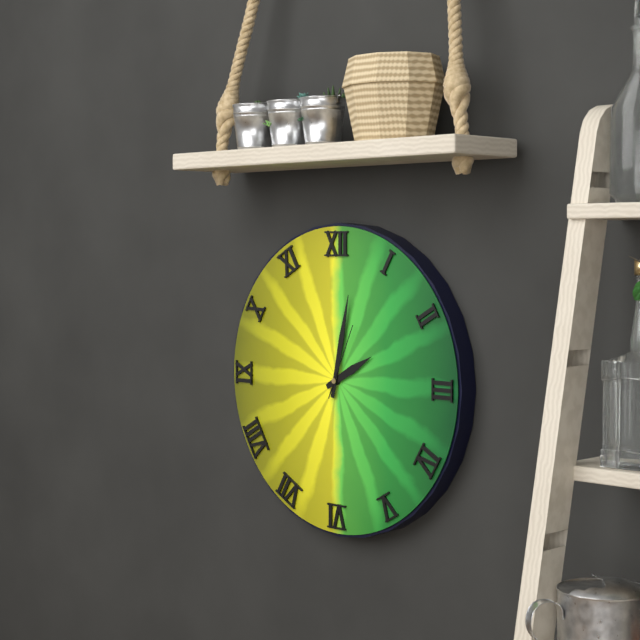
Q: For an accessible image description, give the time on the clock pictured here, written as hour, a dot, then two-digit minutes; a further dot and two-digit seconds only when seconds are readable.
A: 2.02.04
